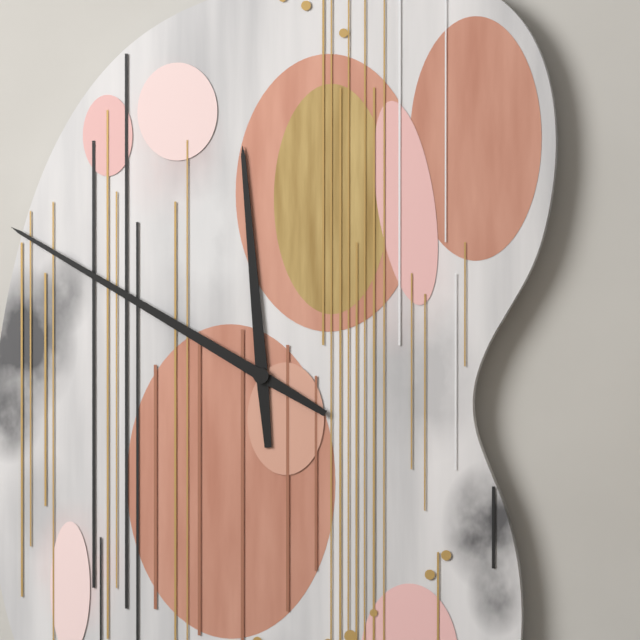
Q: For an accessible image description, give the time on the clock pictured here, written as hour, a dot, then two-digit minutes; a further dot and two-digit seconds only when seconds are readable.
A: 11.50
